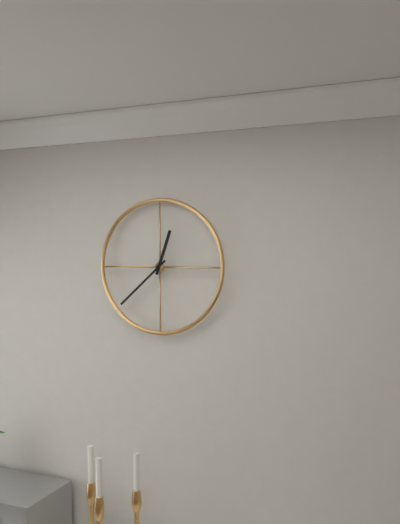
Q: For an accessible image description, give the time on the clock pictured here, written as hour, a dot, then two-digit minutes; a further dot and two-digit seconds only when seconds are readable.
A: 12.38
